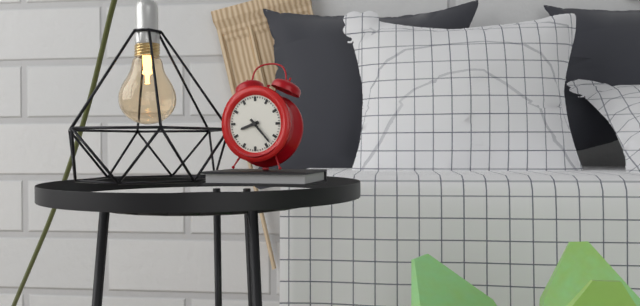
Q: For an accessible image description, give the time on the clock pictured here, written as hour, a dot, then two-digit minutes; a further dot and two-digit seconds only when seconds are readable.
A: 8.23
